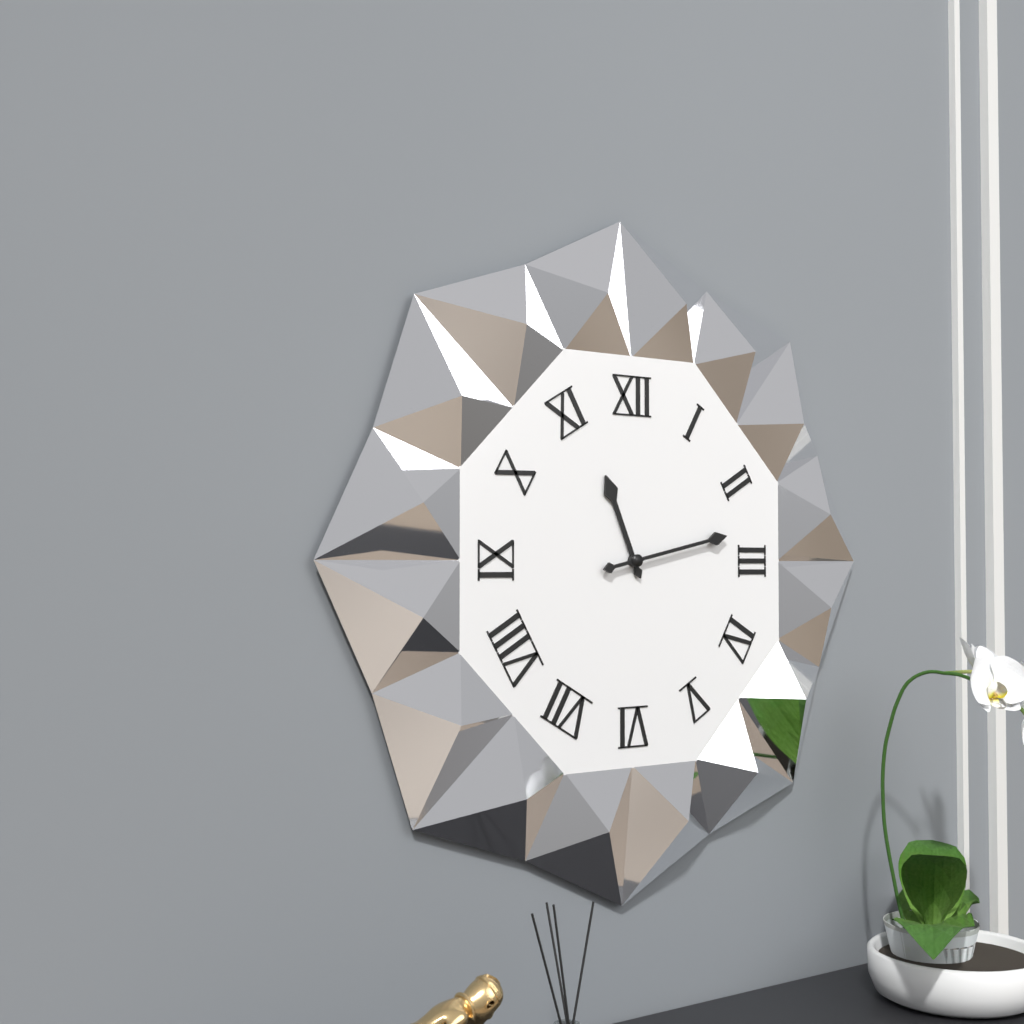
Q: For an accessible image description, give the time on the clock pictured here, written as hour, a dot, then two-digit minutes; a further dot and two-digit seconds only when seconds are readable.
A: 11.13
